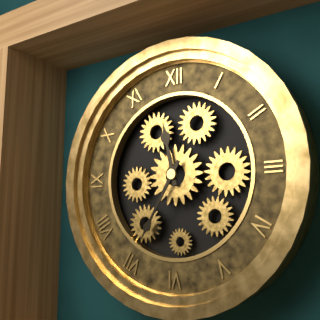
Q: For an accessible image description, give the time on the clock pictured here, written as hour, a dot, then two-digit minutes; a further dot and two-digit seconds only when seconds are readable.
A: 11.35
